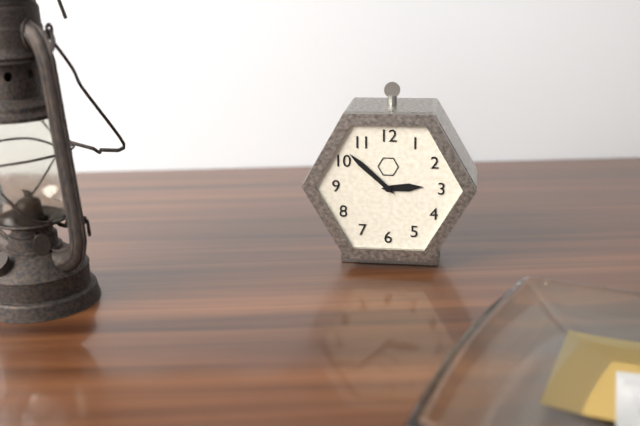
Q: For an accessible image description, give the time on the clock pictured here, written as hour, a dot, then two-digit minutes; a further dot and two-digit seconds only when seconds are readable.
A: 2.52
